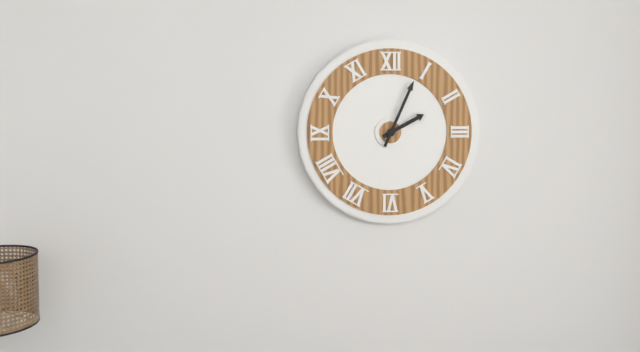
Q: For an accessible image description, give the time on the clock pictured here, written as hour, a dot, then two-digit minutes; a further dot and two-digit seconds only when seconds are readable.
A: 2.04
